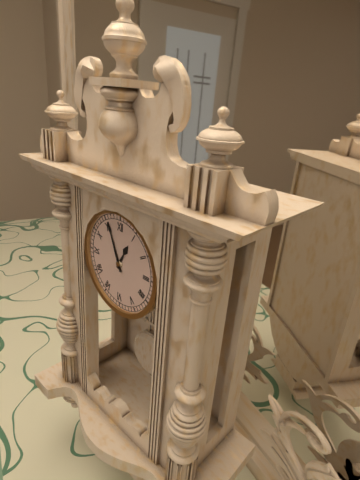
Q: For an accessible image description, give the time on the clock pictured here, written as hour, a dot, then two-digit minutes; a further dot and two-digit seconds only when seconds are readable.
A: 12.56
